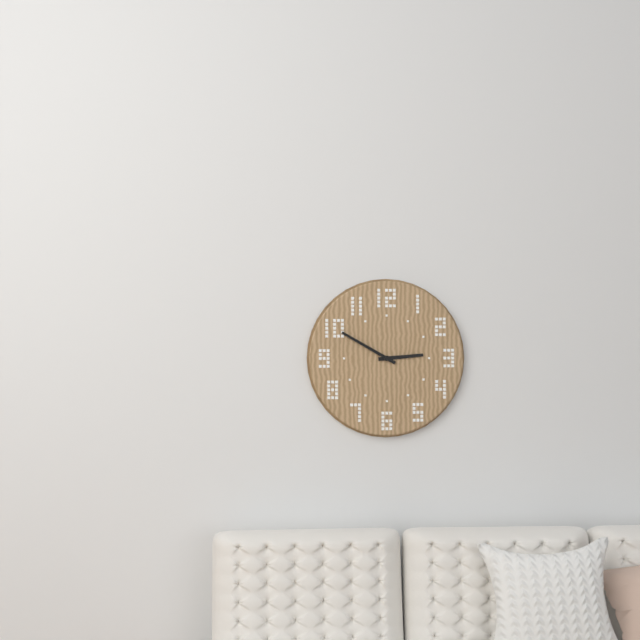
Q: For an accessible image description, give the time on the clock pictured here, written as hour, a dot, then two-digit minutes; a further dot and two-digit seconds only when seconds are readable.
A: 2.50
